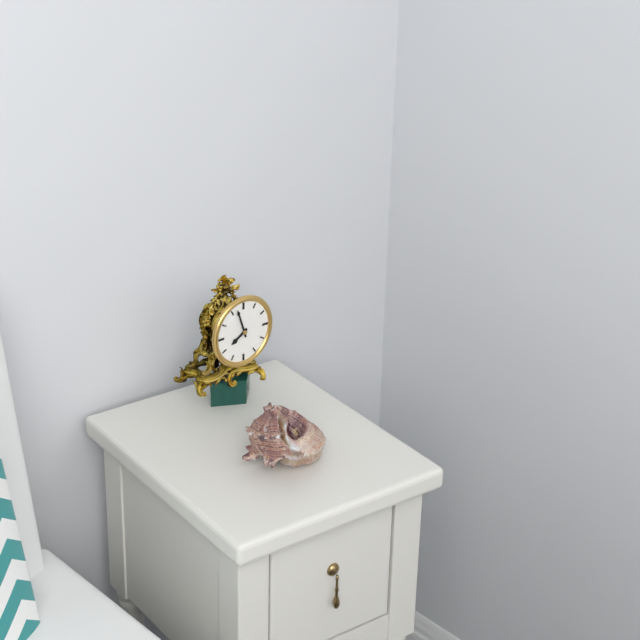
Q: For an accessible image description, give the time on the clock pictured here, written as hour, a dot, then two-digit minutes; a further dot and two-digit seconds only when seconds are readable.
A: 7.57
